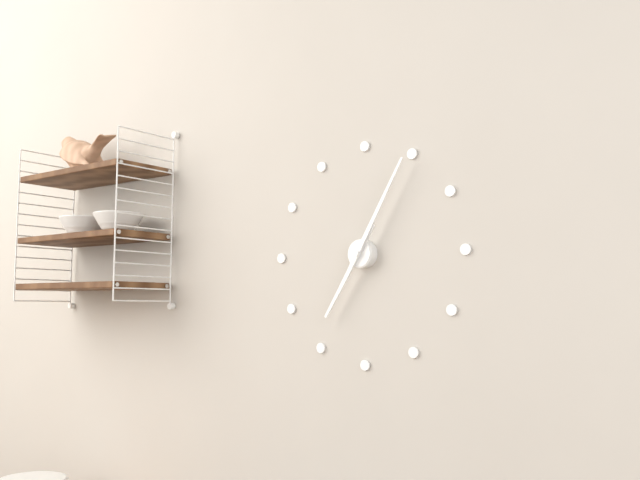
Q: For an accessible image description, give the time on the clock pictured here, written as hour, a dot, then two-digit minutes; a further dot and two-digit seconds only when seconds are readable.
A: 7.05
